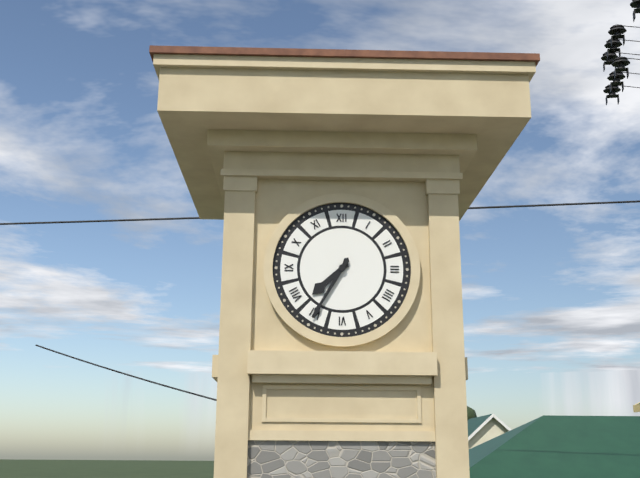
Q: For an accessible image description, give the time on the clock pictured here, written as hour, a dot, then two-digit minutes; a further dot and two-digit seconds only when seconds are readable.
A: 7.35
